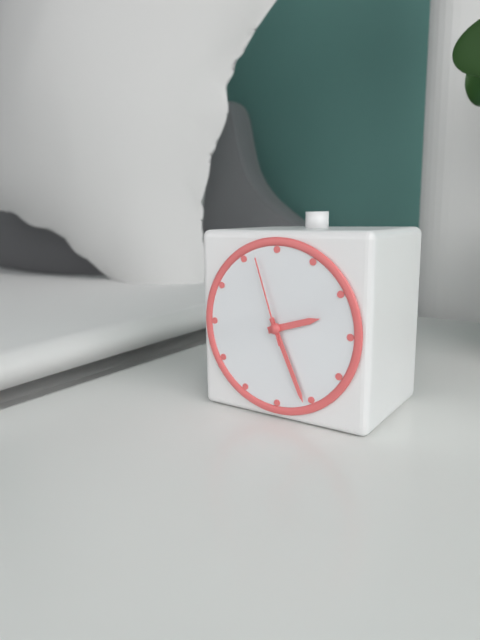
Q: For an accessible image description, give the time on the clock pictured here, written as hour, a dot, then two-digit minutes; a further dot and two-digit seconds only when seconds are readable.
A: 2.26.57
